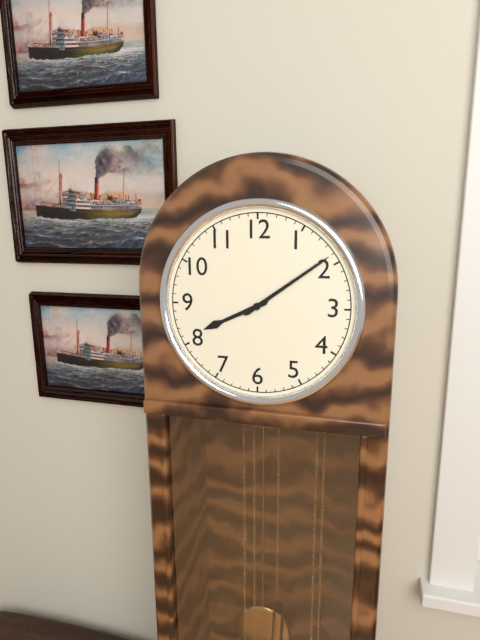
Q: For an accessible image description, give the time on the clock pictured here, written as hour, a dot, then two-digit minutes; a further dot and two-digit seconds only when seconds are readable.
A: 8.09
